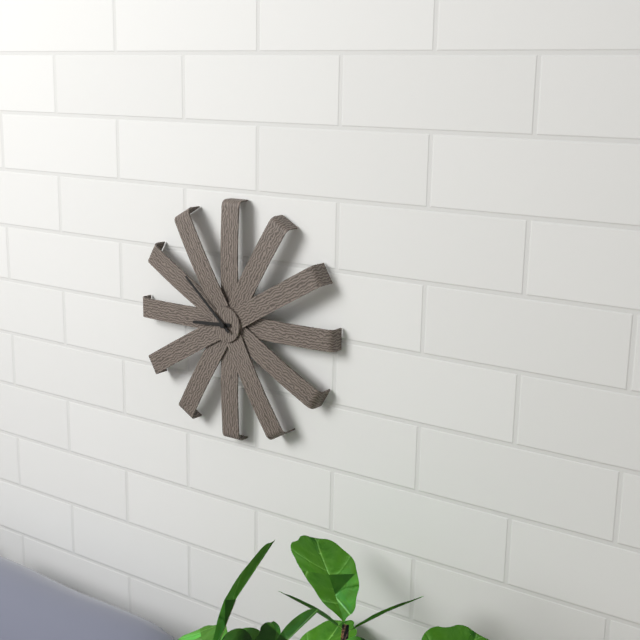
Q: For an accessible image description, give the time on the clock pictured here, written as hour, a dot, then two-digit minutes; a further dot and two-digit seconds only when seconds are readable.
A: 8.52
